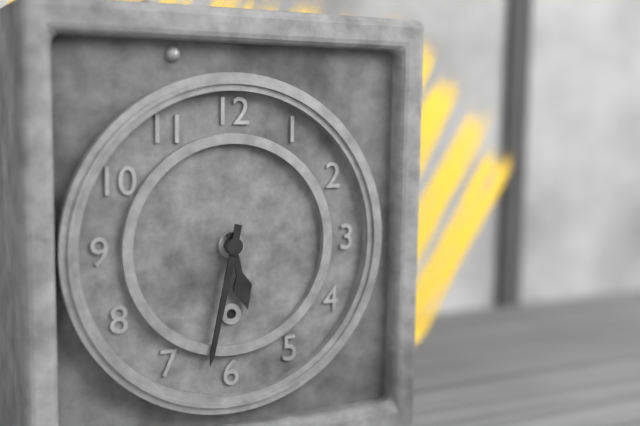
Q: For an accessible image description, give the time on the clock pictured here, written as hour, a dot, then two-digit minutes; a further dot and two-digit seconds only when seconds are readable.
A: 5.32
